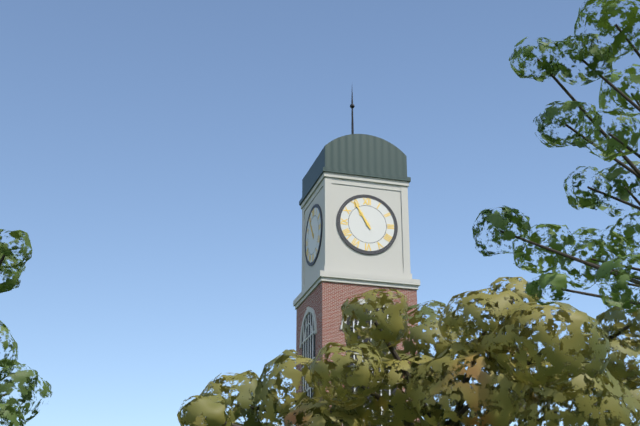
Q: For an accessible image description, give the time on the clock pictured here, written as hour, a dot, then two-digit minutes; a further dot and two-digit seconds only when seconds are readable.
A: 10.55
